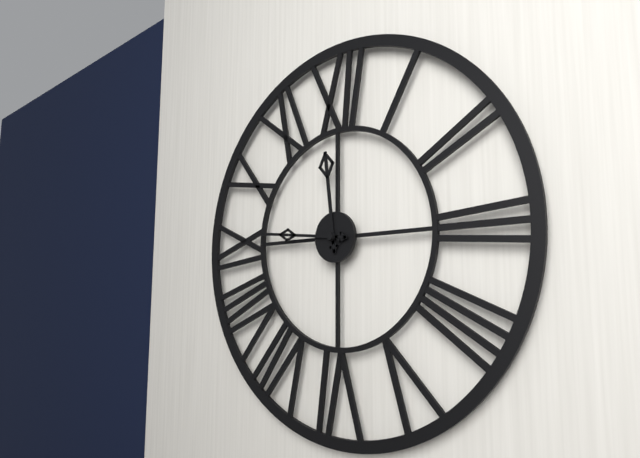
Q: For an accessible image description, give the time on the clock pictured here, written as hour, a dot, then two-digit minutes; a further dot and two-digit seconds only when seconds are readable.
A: 11.46
